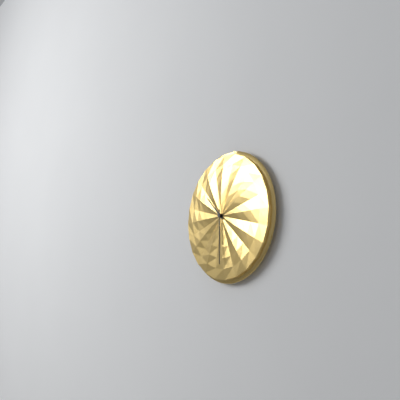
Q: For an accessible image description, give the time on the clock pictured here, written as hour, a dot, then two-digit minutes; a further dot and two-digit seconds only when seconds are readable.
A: 10.30
